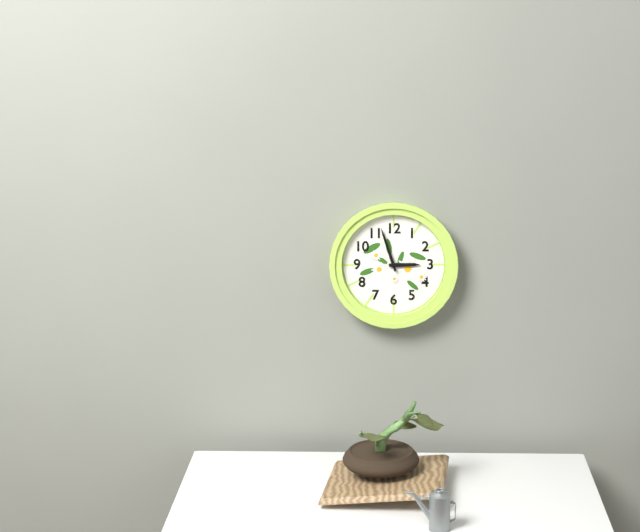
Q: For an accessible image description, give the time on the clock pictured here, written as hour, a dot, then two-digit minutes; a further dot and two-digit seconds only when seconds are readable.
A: 2.57
